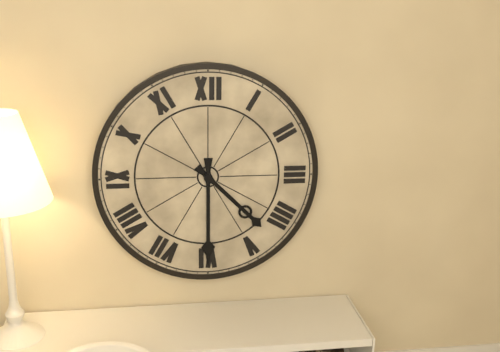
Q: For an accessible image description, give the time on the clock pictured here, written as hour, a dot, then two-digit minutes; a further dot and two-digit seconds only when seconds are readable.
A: 4.30
